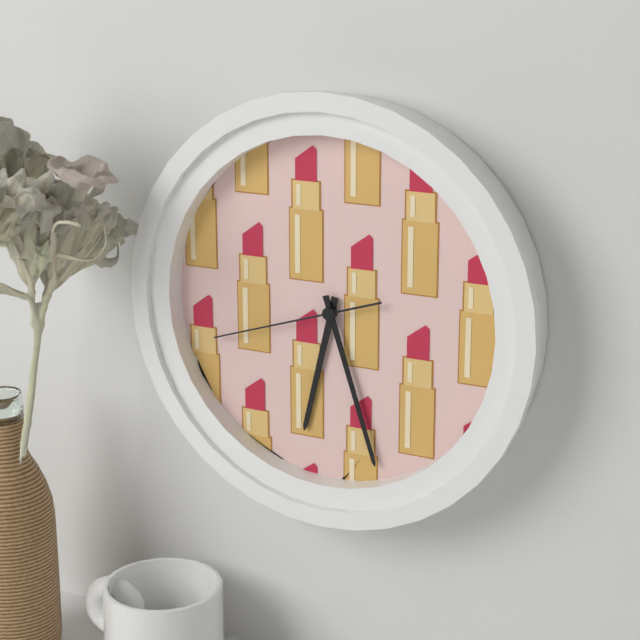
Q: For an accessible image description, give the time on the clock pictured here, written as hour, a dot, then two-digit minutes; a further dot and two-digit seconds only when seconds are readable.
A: 6.27.42
